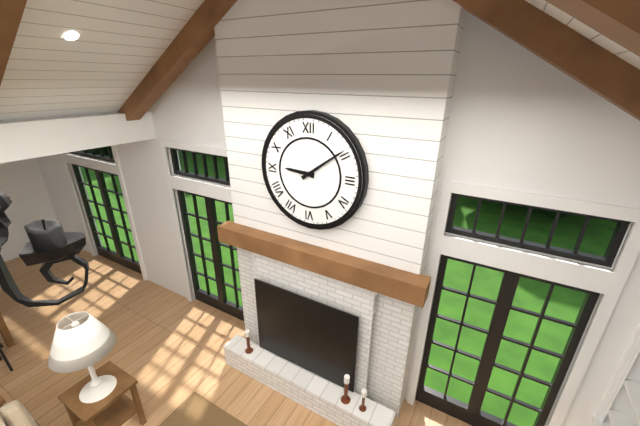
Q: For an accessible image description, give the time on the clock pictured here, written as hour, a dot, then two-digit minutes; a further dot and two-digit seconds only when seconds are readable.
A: 9.09
